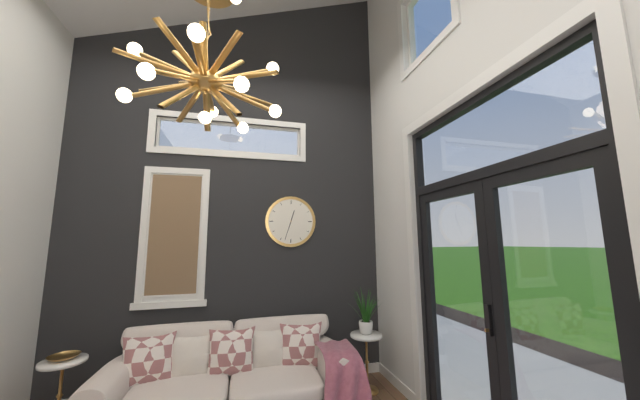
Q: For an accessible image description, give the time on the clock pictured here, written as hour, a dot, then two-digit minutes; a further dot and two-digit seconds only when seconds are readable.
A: 12.33
